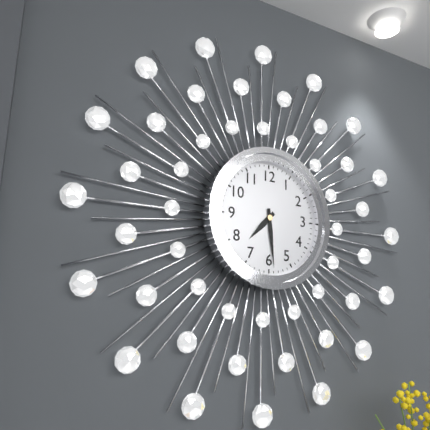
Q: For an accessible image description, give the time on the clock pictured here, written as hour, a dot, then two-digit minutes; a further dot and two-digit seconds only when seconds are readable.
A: 7.29
